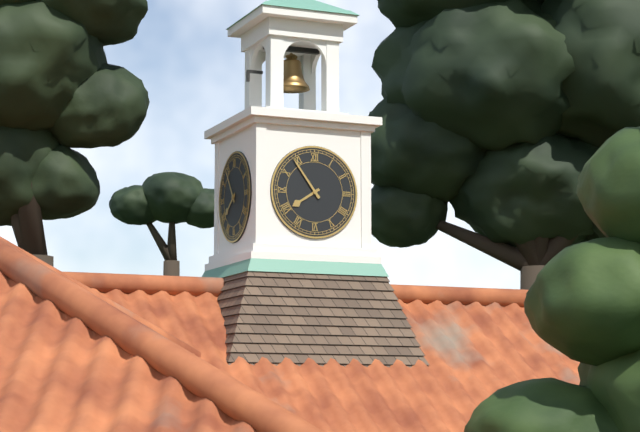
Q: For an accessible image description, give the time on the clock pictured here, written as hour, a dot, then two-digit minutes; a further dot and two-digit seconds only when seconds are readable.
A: 7.54
